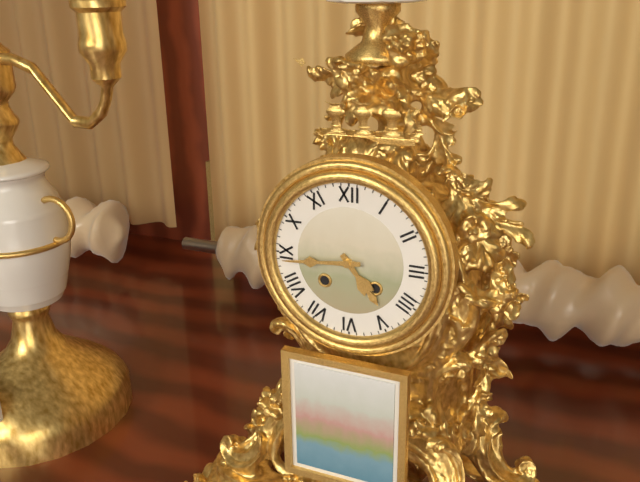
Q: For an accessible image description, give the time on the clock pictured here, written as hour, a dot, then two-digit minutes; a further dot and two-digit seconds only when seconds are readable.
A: 4.44
